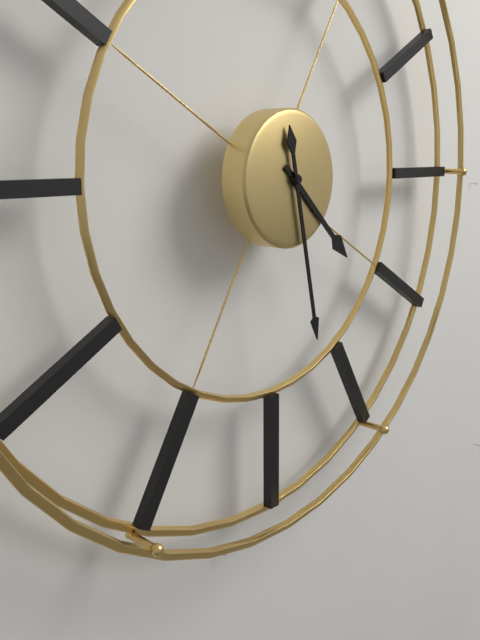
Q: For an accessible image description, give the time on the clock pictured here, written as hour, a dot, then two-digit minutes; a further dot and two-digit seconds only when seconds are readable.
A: 4.28
